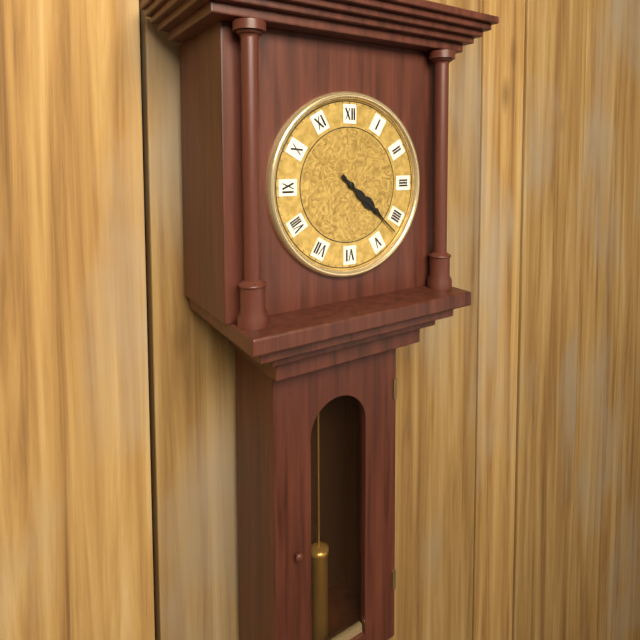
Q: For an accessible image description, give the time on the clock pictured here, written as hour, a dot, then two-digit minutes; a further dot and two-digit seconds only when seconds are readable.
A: 4.22
